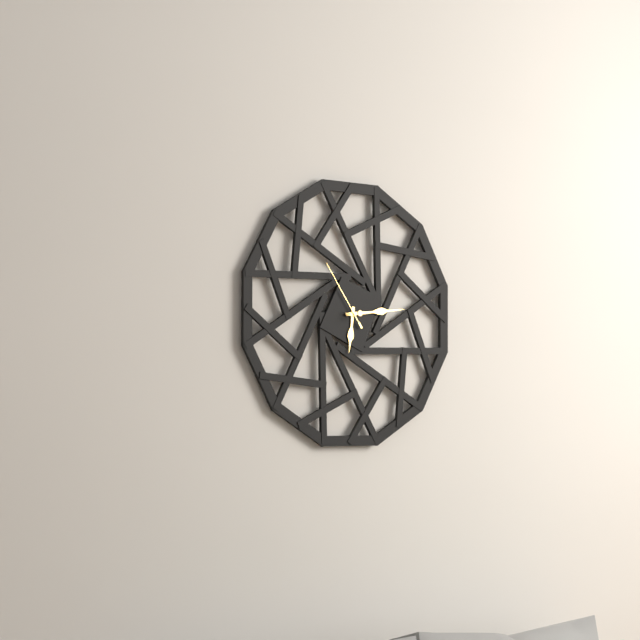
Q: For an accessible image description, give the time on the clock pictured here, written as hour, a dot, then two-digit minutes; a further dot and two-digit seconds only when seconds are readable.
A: 6.14.54
